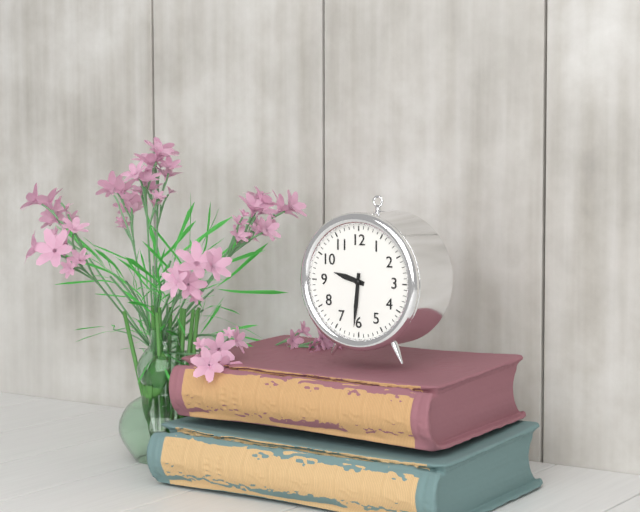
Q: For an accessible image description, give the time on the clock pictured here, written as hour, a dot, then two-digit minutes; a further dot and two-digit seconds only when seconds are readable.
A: 9.31
